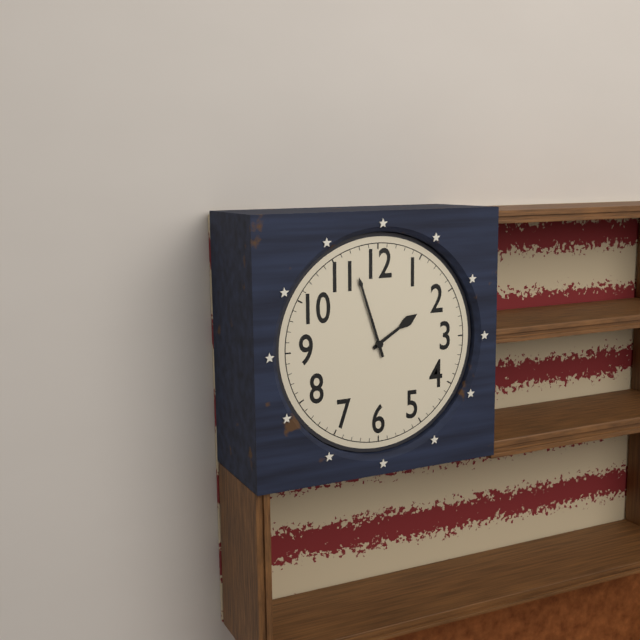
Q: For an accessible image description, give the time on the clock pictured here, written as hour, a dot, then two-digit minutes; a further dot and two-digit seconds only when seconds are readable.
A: 1.57
